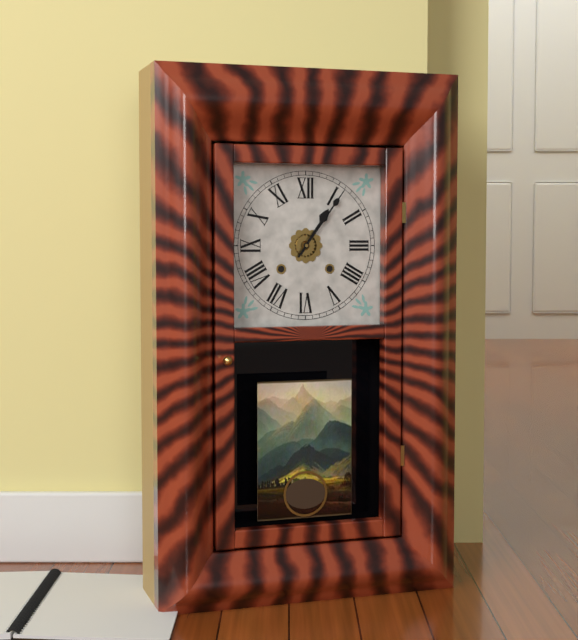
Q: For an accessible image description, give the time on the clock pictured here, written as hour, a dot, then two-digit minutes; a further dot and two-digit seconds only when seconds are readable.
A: 1.06
